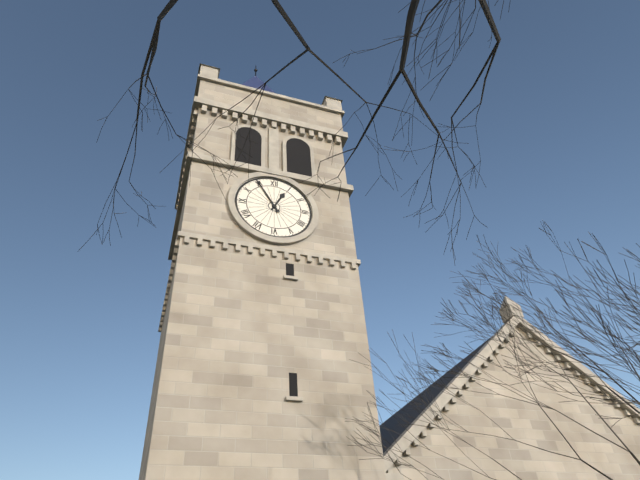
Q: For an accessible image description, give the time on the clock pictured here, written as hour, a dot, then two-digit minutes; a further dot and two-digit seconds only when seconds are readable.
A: 12.55
